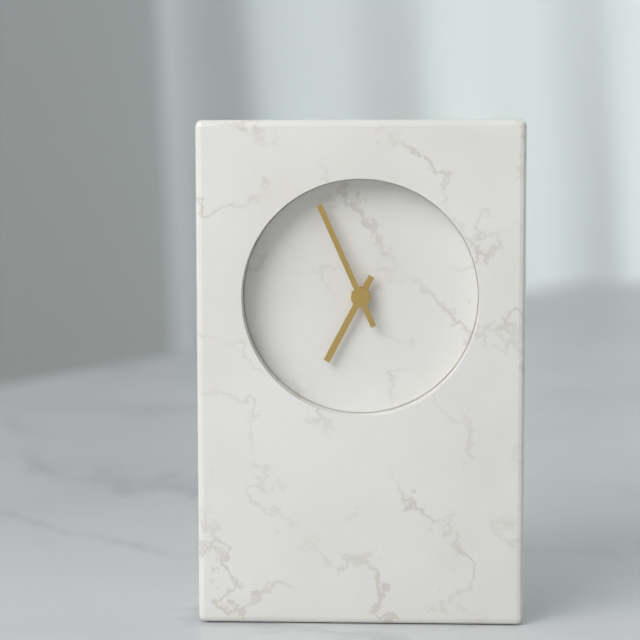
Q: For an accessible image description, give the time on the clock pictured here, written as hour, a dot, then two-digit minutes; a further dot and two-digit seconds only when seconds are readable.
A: 6.56
